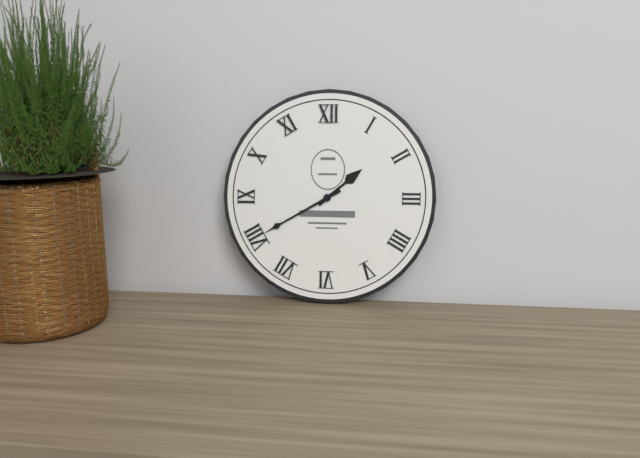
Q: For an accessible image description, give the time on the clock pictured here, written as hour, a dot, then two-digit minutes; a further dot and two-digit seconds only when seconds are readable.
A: 1.40
